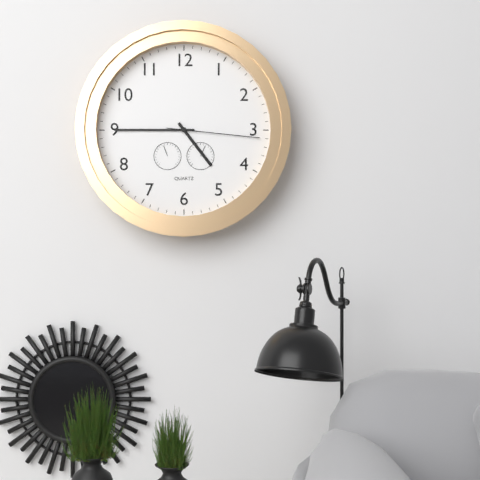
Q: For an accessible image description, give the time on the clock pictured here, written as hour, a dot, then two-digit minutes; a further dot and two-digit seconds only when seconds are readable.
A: 4.45.16
